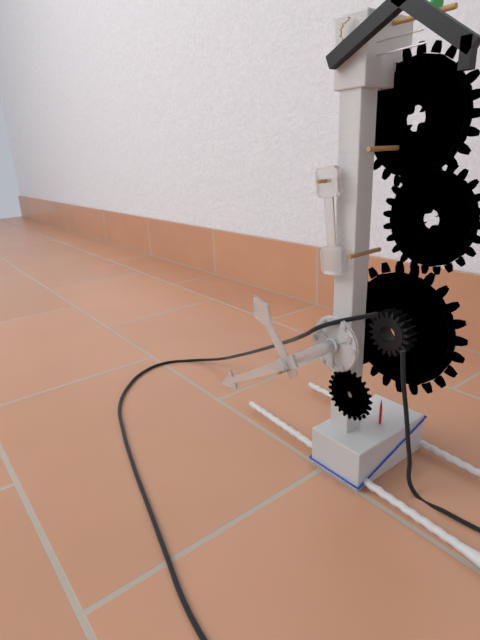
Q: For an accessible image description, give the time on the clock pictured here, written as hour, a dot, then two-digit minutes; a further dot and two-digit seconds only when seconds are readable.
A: 10.40
